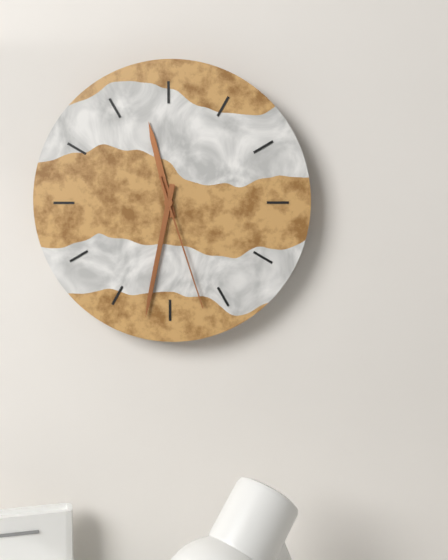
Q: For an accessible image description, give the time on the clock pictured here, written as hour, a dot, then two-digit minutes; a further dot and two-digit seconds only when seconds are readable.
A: 11.32.27
